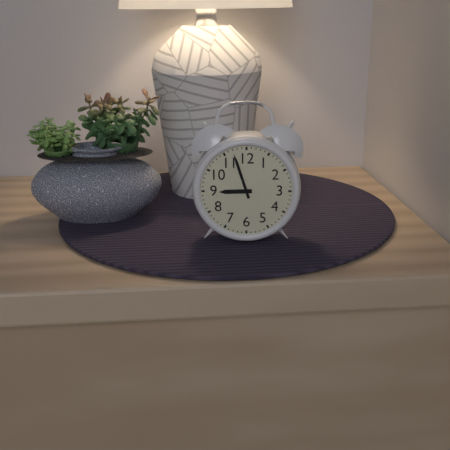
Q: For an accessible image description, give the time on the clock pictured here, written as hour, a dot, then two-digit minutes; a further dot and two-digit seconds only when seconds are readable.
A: 8.57
